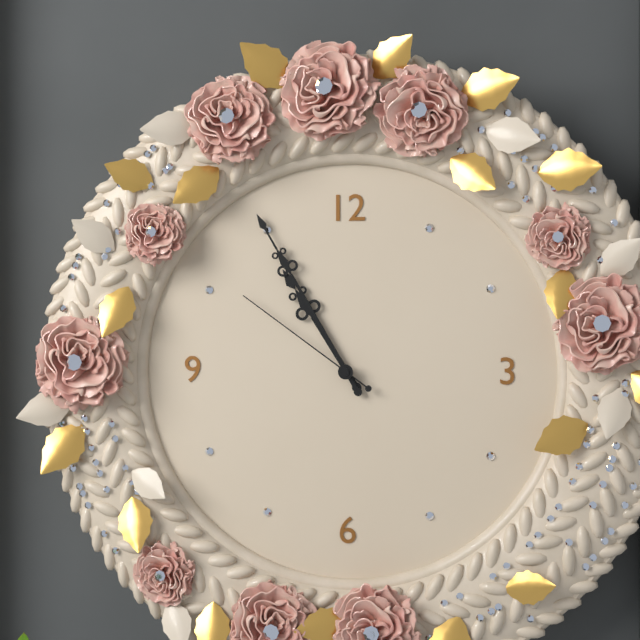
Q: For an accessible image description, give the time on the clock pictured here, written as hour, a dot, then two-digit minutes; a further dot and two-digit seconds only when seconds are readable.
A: 10.55.51
